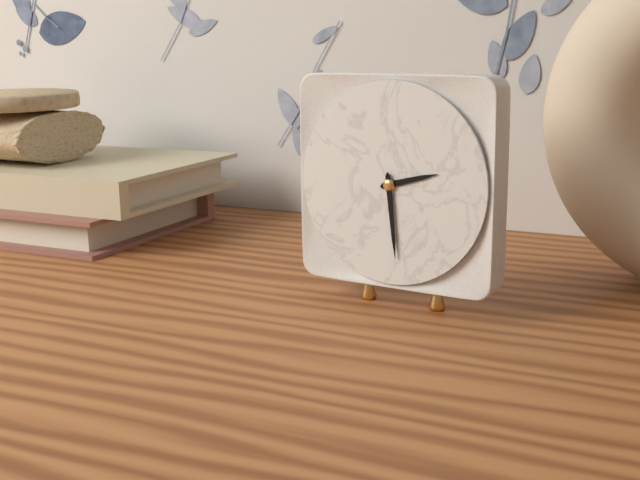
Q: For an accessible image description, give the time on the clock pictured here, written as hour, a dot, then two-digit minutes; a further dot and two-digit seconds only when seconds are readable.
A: 2.29
